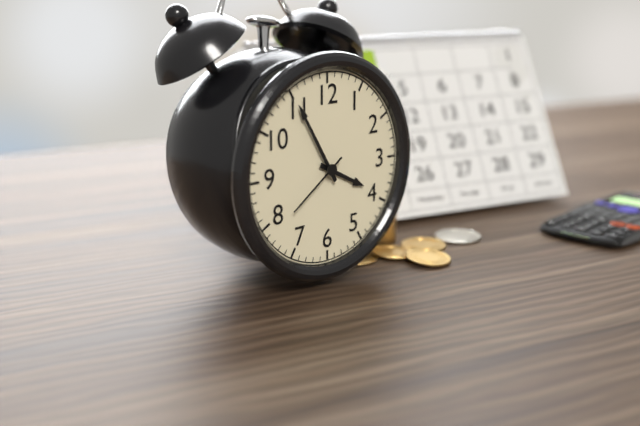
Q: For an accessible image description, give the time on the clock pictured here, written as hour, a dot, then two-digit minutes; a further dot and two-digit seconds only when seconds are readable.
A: 3.55.39
